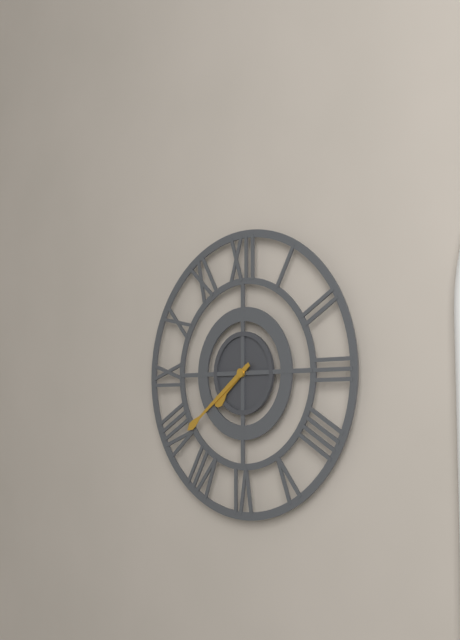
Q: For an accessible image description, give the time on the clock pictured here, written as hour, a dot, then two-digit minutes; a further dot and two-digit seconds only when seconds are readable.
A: 7.39
